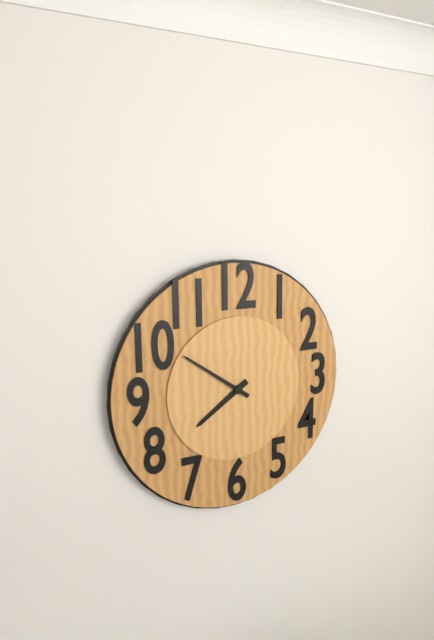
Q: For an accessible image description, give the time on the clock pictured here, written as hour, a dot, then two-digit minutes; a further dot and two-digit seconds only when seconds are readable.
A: 7.51
